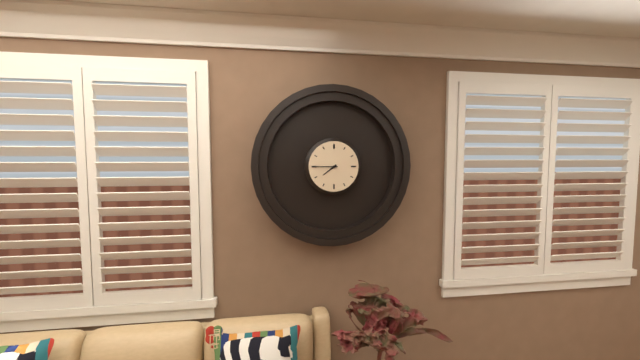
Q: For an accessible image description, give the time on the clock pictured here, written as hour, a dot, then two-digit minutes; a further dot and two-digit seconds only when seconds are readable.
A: 7.45
